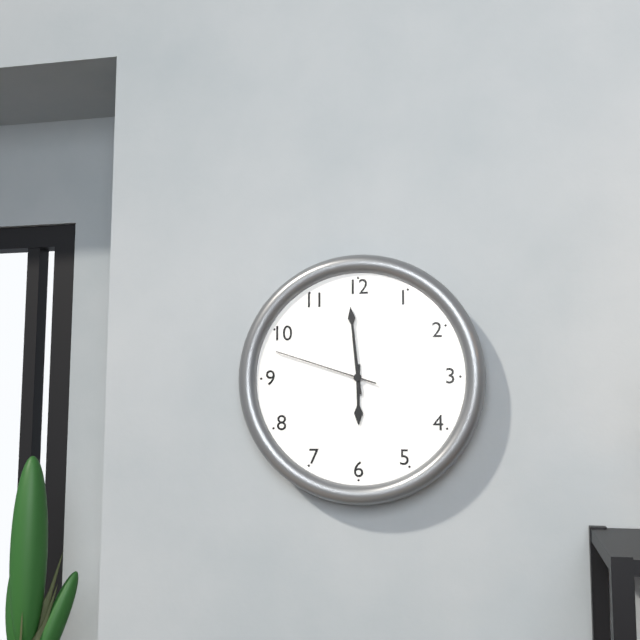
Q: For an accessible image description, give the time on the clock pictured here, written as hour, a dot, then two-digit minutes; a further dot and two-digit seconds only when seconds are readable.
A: 5.59.48
